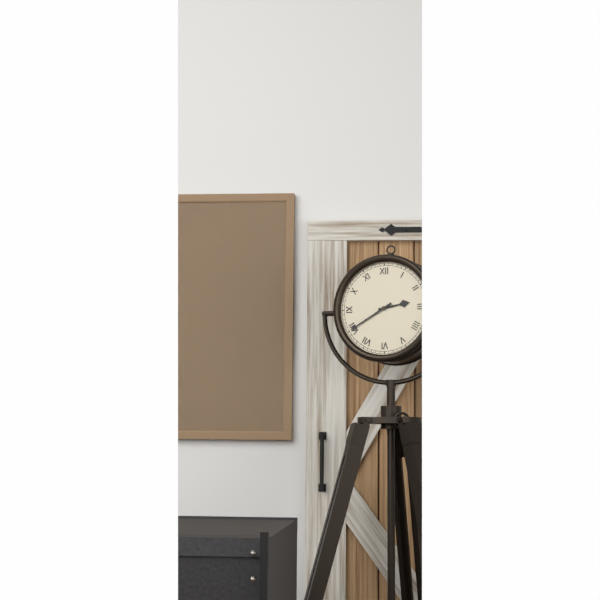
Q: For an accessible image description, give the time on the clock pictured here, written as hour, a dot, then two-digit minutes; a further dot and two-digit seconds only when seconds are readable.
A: 2.40
